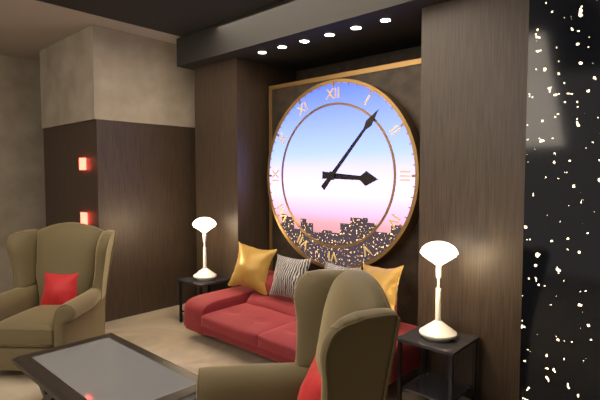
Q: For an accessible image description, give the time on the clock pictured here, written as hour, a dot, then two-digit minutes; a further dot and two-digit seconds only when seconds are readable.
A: 3.07
